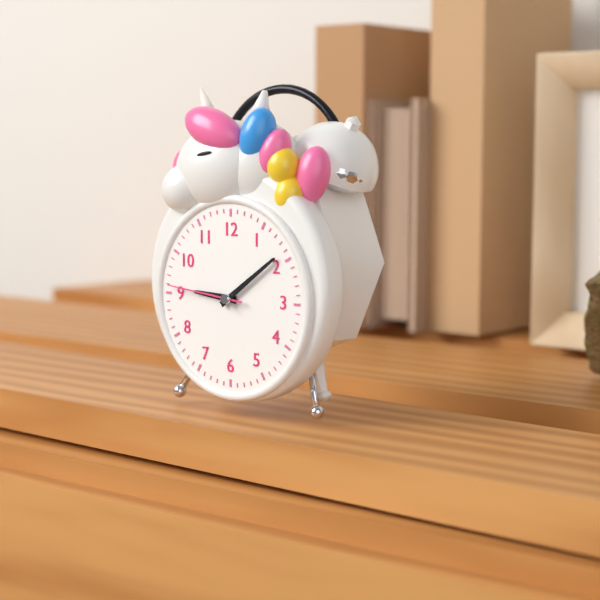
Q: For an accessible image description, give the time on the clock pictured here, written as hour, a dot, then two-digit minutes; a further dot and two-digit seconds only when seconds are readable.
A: 9.09.46
